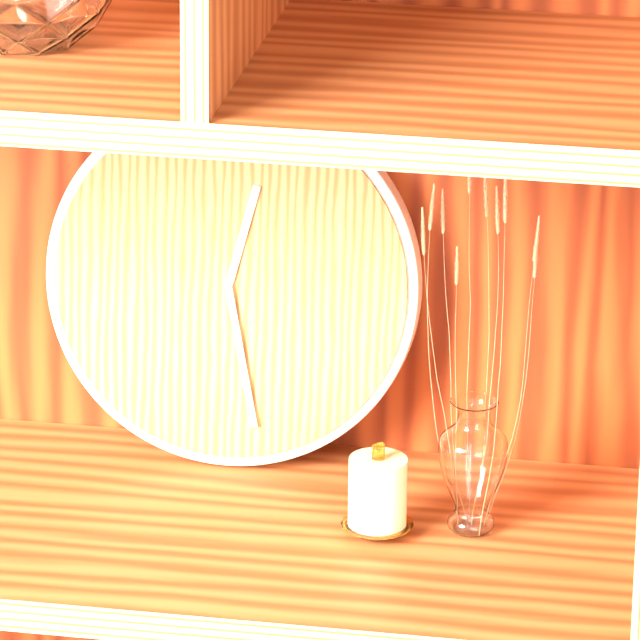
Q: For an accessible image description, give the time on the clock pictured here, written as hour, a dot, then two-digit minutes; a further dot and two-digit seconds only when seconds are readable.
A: 12.28
